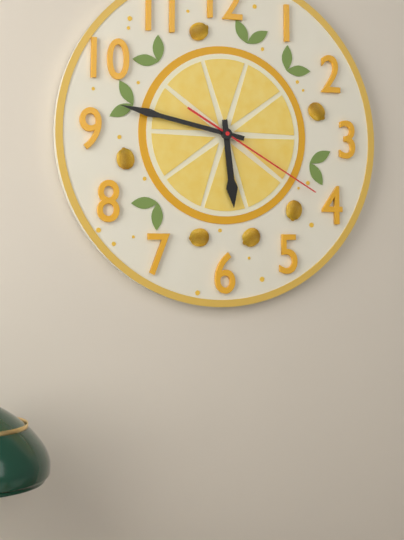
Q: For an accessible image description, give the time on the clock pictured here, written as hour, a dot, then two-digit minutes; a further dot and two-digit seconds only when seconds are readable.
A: 5.47.20
